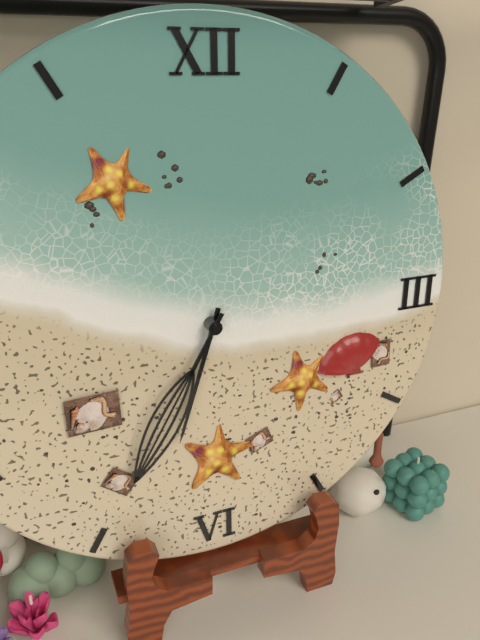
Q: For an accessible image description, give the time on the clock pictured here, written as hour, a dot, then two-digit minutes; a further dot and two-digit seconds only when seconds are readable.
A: 6.35
